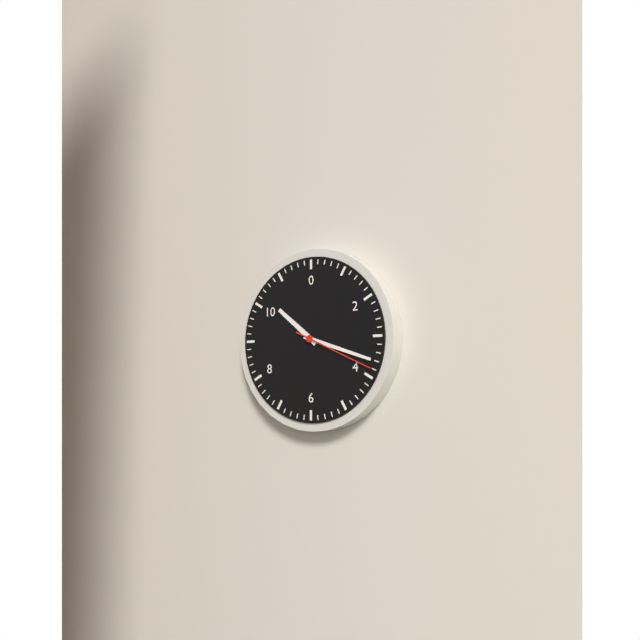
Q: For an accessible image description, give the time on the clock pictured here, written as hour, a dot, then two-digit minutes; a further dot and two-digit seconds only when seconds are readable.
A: 10.18.19
